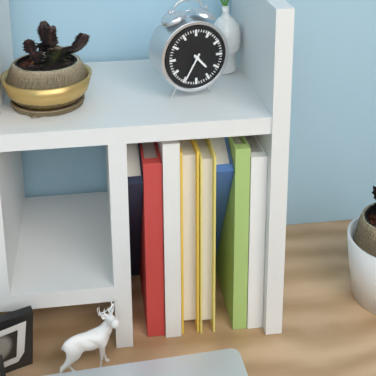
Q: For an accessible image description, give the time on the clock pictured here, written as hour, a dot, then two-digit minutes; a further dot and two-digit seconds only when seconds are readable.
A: 4.35
